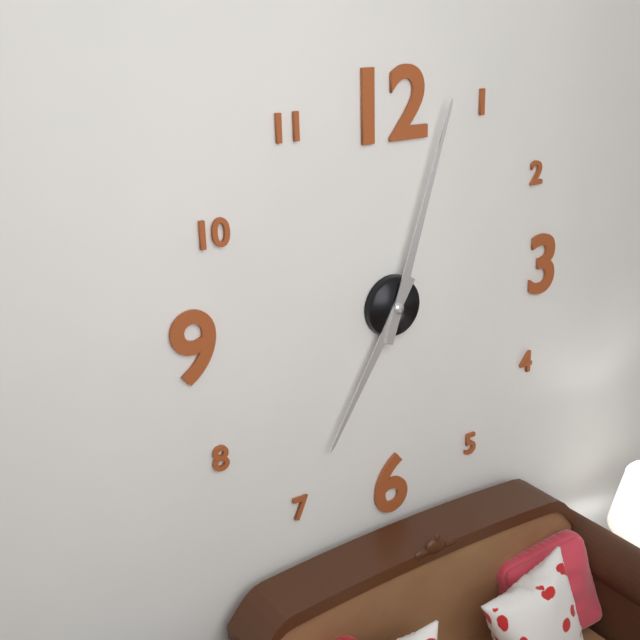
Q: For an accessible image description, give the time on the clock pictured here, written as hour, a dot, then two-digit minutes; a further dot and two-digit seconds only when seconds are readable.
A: 7.03
